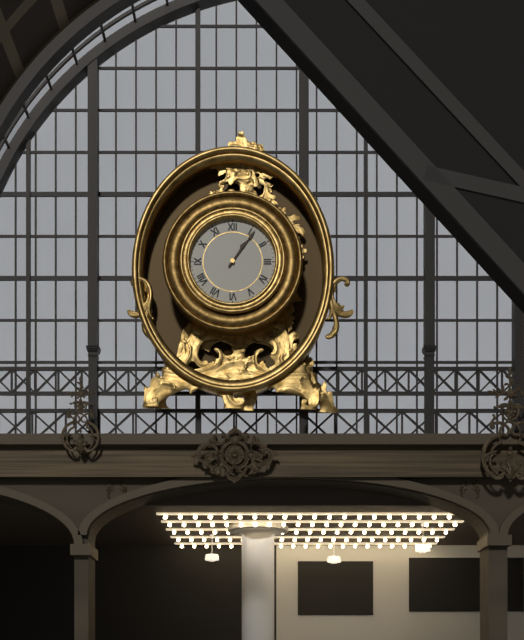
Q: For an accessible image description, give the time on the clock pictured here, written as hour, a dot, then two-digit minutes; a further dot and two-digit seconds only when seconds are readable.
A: 1.06
